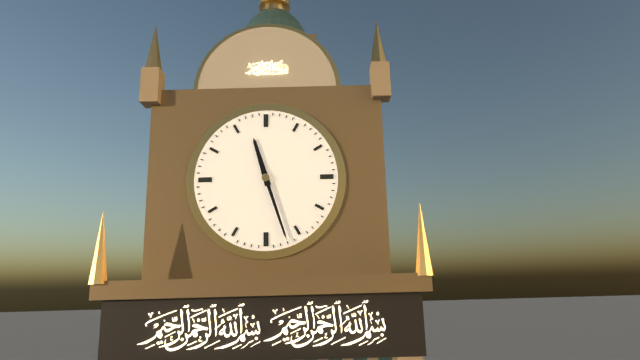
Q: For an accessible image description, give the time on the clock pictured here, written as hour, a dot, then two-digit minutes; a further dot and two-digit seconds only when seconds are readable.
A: 11.27
